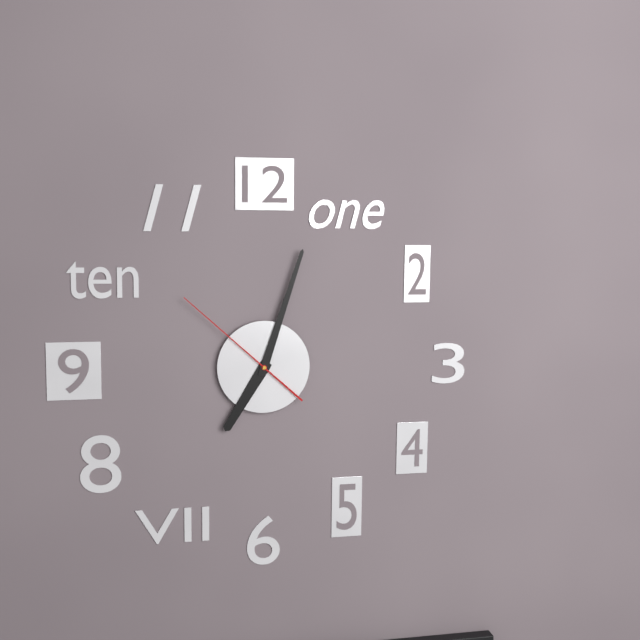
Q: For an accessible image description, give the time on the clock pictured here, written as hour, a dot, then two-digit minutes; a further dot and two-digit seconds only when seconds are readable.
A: 7.03.52
